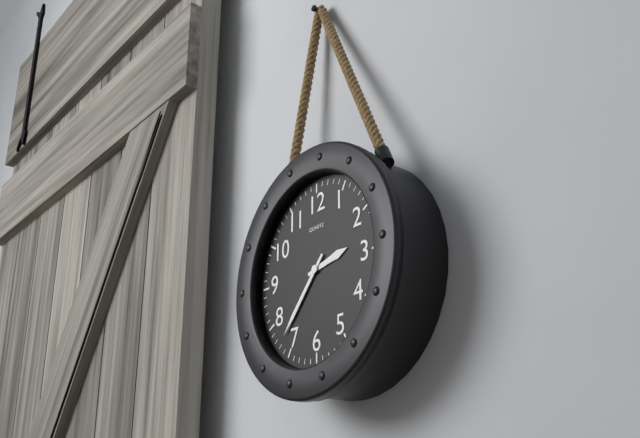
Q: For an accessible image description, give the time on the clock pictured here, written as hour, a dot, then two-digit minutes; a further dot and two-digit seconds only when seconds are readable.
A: 2.37
